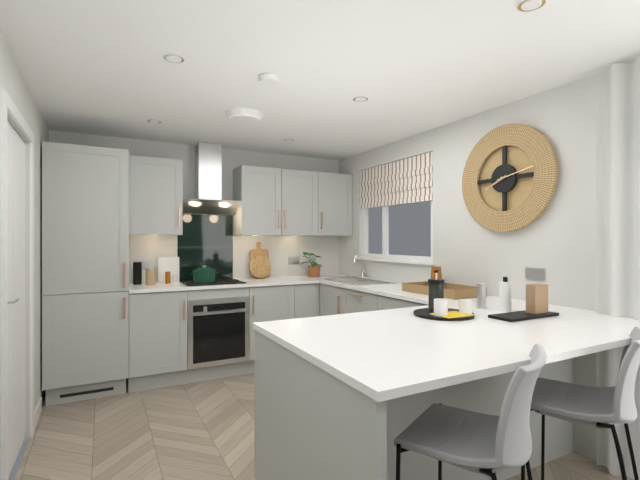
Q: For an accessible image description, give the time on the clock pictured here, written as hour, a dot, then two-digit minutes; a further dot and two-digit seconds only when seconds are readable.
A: 8.13
